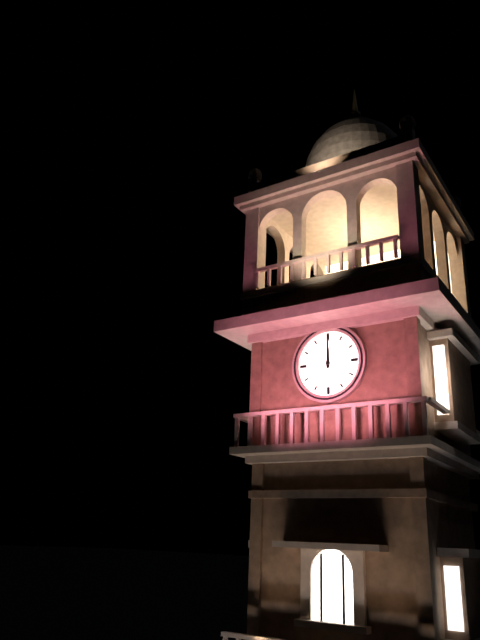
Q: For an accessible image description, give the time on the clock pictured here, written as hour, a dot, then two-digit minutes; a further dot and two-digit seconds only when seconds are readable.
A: 12.00
